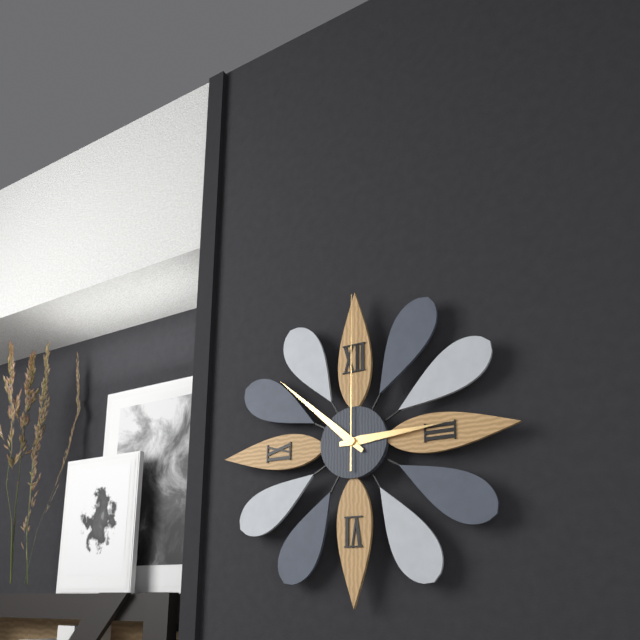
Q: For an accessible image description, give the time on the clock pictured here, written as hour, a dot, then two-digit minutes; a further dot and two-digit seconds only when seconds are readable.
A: 2.52.00
